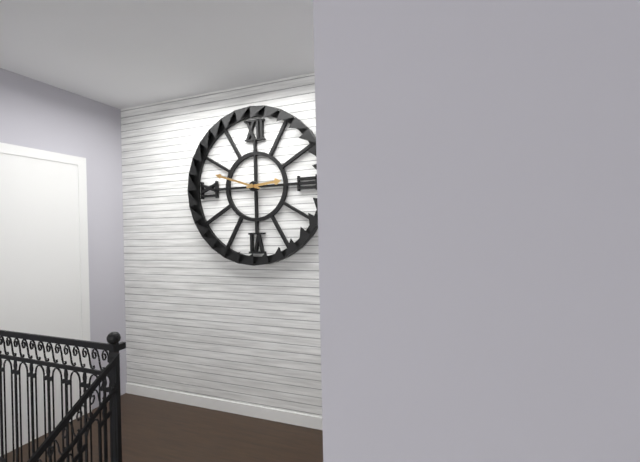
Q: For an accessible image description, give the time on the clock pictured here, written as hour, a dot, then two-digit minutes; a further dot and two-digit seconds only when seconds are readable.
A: 2.48
